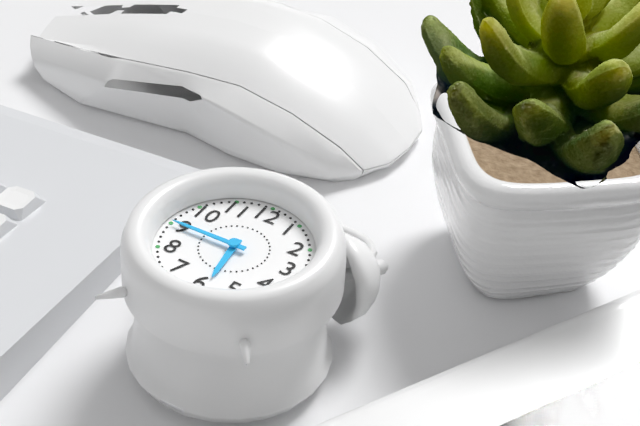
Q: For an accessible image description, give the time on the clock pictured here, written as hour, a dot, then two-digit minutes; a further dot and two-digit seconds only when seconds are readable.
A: 5.45
